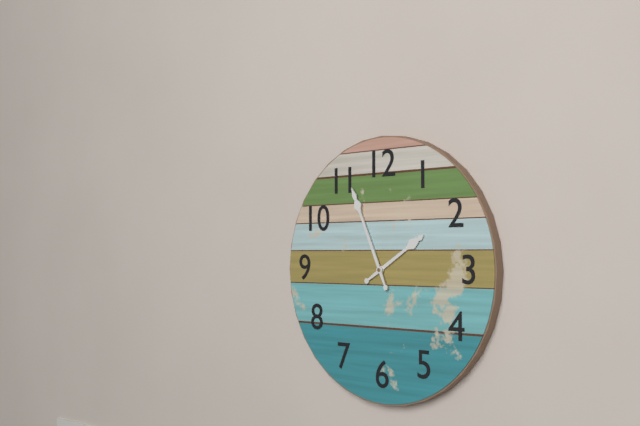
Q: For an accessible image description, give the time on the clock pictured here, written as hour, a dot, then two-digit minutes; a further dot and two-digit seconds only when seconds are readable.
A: 1.56
